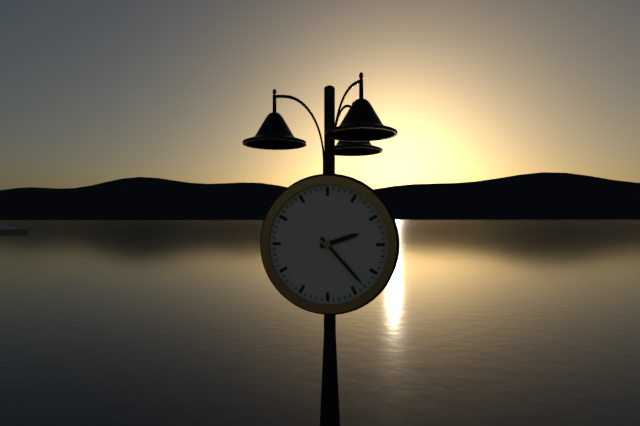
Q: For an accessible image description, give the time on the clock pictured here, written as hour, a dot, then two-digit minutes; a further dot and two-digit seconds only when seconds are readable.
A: 2.23
